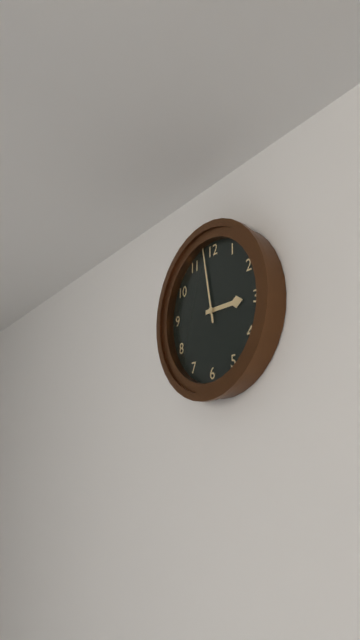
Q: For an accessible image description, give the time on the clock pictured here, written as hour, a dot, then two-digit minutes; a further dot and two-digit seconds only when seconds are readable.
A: 2.58
